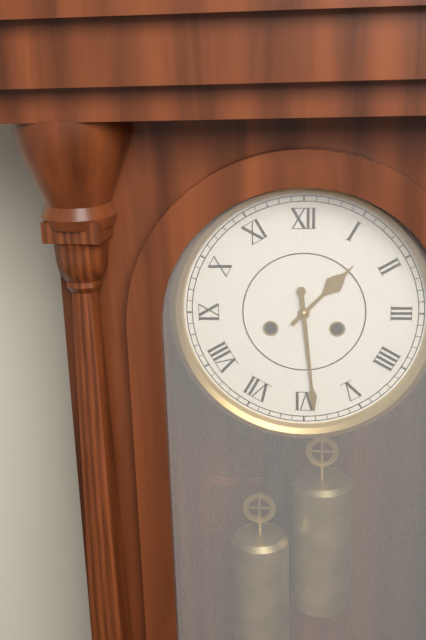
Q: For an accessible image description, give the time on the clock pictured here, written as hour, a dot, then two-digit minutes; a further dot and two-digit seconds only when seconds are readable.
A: 1.29
